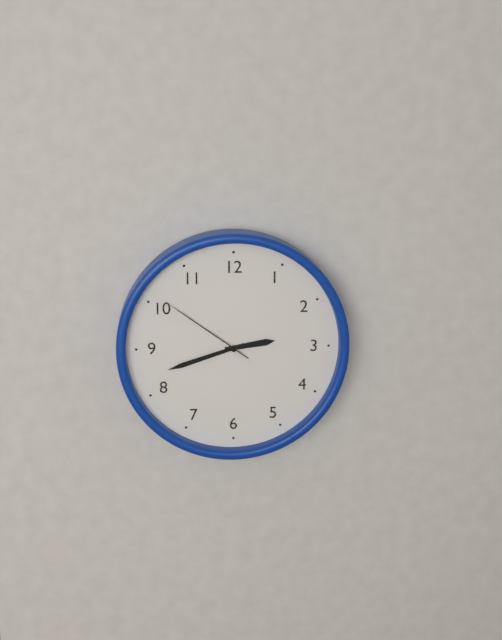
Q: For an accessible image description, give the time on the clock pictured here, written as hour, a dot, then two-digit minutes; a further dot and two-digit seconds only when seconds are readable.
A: 2.42.51
